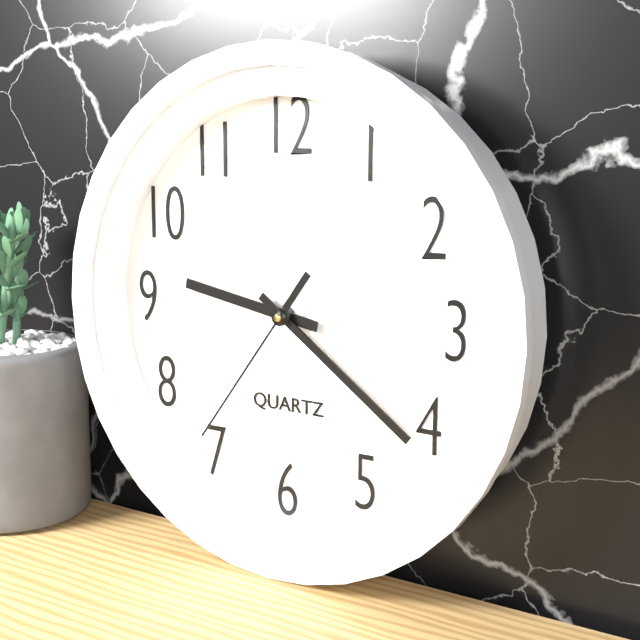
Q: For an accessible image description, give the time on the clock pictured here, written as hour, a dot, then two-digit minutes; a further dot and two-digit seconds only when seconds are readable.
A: 9.21.36
